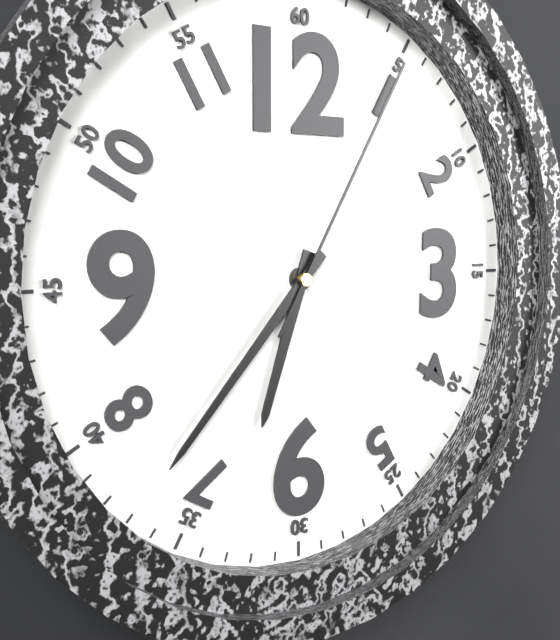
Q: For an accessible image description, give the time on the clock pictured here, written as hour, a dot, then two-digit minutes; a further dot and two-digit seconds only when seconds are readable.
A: 6.37.05
